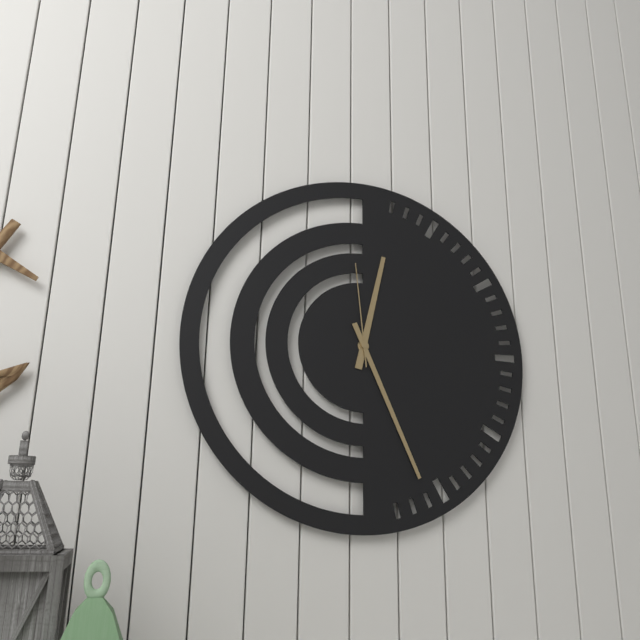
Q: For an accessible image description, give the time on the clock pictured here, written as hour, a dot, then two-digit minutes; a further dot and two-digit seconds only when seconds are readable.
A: 12.26.59
